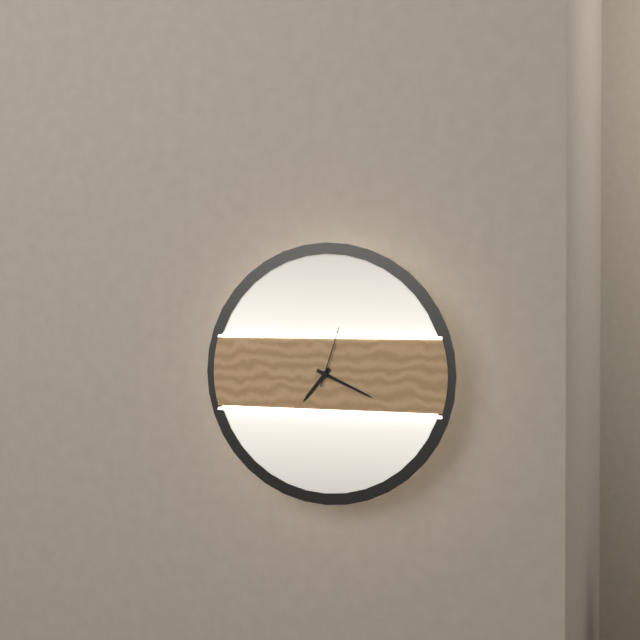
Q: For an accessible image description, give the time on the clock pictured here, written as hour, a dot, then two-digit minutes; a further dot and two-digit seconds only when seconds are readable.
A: 7.19.03
